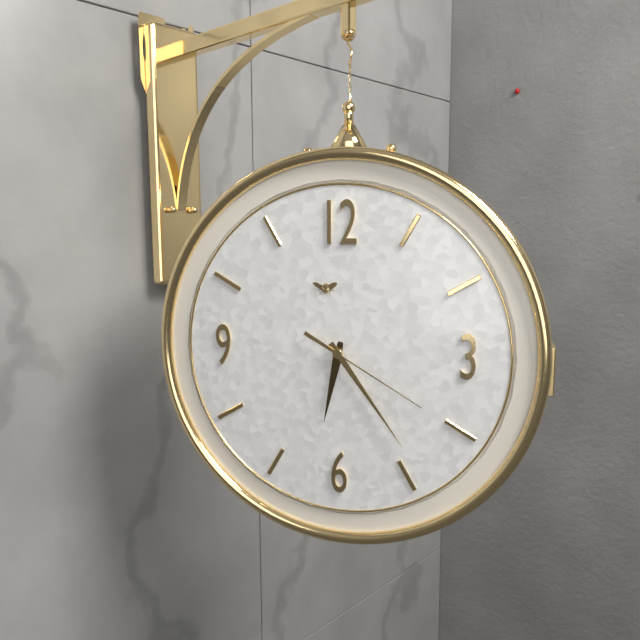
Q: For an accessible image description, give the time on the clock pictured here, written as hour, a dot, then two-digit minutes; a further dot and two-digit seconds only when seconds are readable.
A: 6.24.20
